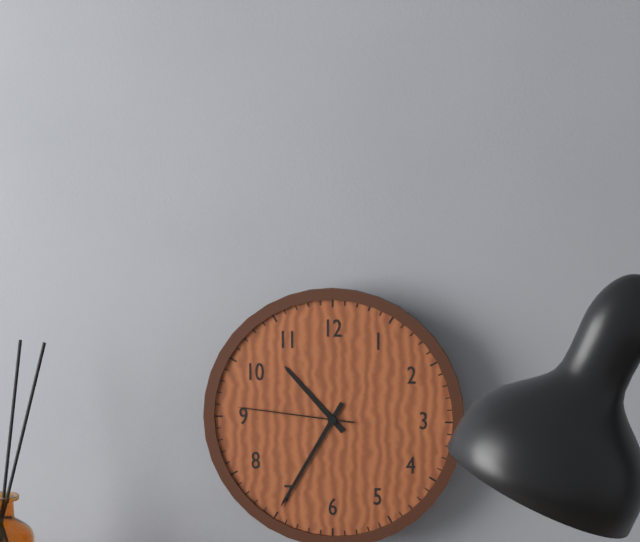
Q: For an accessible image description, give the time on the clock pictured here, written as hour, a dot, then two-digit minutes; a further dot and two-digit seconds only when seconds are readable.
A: 10.35.46
